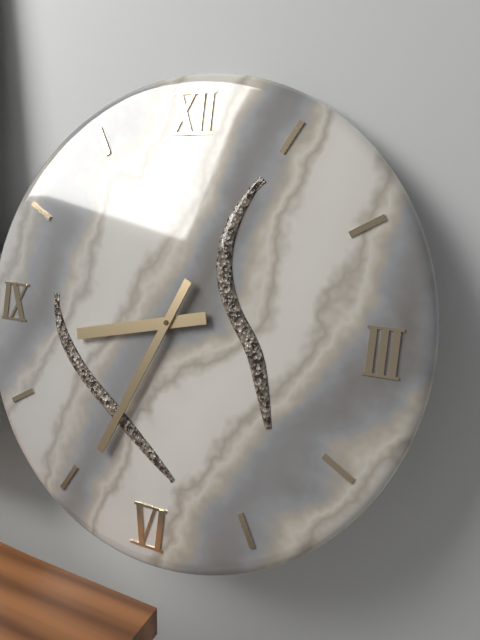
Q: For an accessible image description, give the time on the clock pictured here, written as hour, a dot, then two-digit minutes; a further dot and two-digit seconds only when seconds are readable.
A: 8.34
